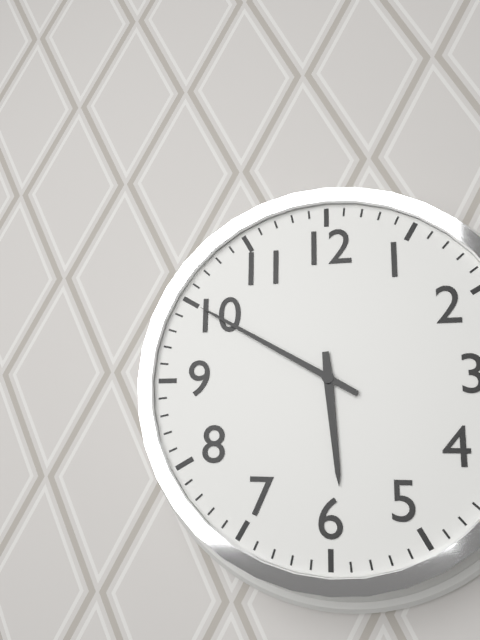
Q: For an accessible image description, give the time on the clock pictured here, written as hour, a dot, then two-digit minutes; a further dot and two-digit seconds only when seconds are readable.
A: 5.50
